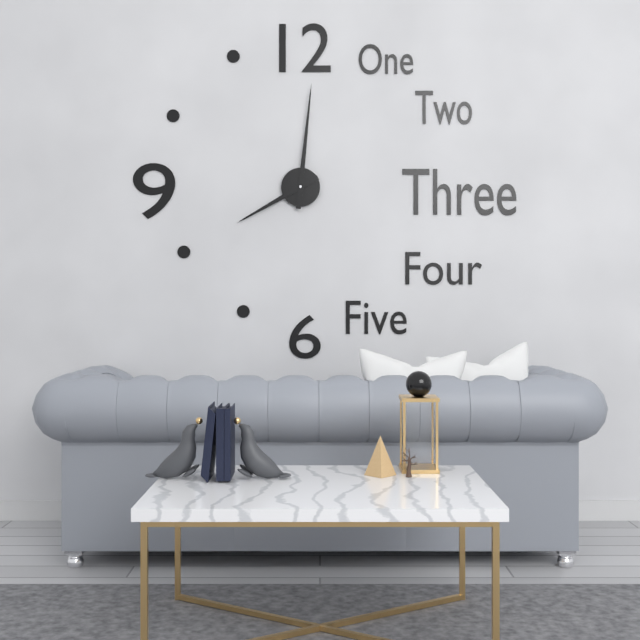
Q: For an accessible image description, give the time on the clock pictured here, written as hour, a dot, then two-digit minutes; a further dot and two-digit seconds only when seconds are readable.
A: 8.01
